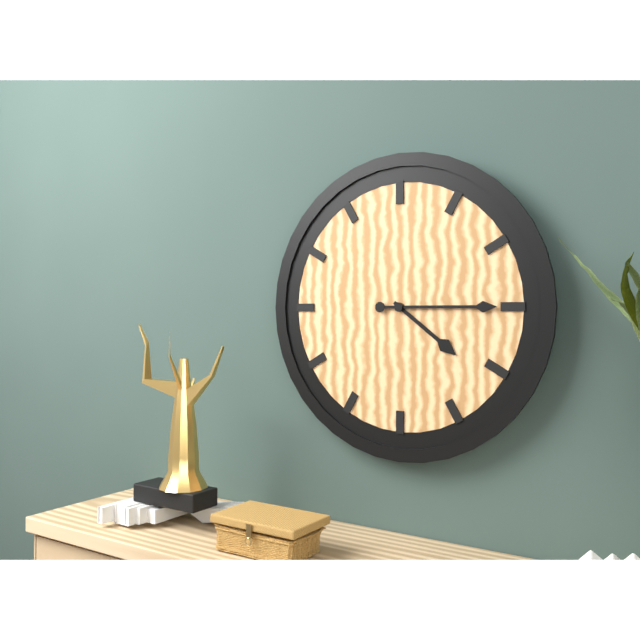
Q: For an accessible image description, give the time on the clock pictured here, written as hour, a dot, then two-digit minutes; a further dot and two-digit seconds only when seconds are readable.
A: 4.15
